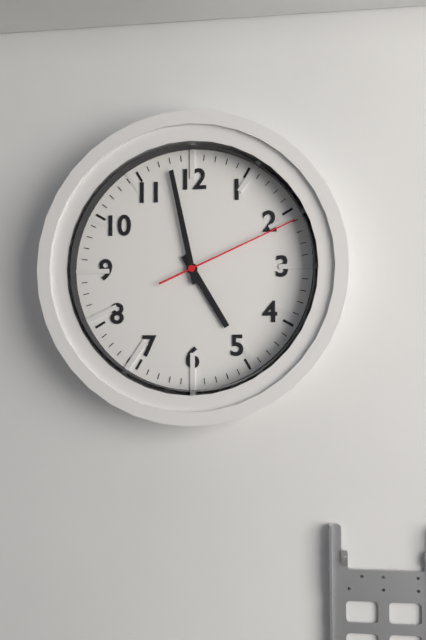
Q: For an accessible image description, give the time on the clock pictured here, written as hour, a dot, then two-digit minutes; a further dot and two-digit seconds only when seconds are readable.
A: 4.58.11
